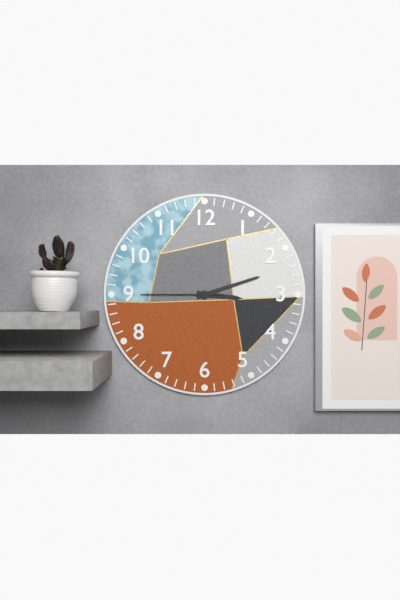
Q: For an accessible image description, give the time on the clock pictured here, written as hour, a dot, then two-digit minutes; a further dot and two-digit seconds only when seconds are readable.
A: 3.12.45
